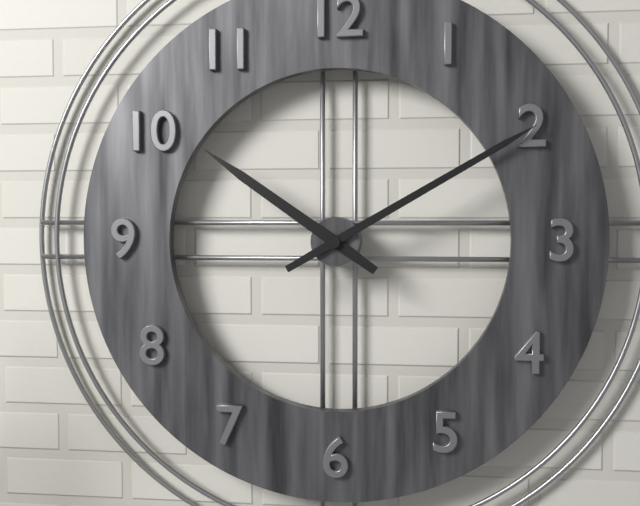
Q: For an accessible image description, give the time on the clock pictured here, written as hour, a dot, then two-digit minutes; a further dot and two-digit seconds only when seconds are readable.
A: 10.10
